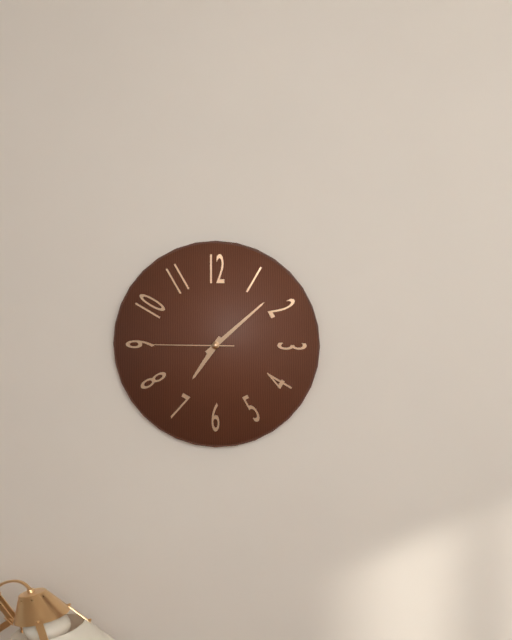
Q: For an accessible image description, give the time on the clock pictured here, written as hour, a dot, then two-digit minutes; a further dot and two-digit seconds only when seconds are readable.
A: 7.08.45
